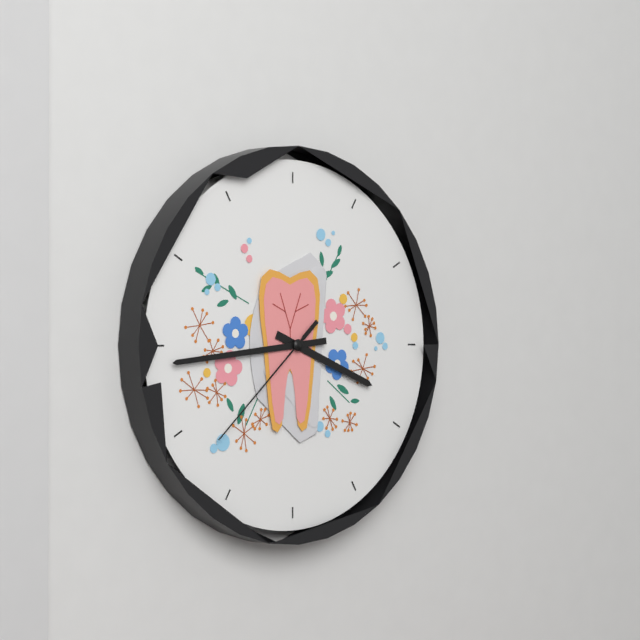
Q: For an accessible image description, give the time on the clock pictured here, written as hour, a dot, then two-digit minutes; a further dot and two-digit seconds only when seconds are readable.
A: 3.44.38
